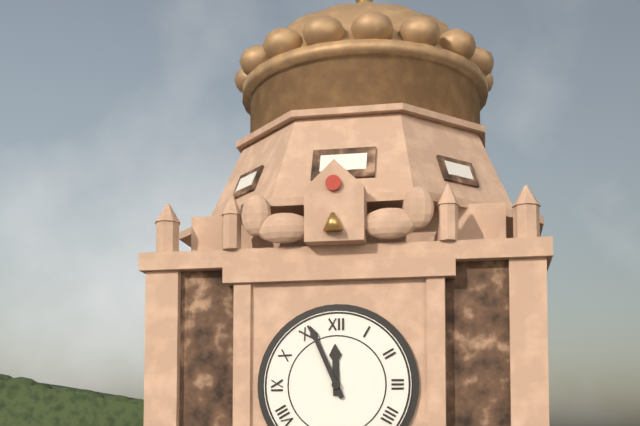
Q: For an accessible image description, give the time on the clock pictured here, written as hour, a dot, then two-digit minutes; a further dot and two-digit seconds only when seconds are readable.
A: 11.56
